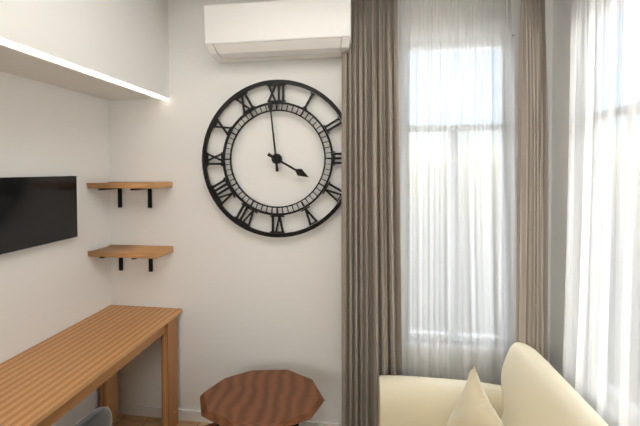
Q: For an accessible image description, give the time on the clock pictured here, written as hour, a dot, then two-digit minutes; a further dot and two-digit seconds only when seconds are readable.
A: 3.59
